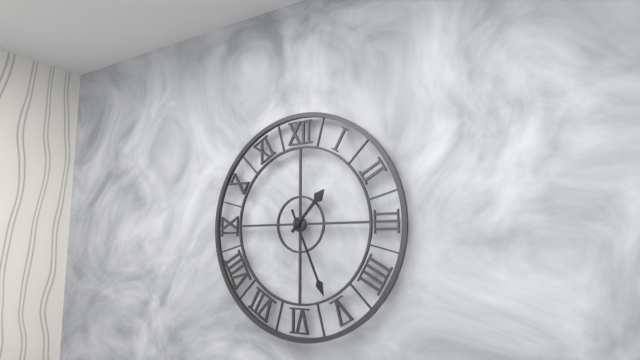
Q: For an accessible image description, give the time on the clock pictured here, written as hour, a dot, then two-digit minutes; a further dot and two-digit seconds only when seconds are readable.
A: 1.26
